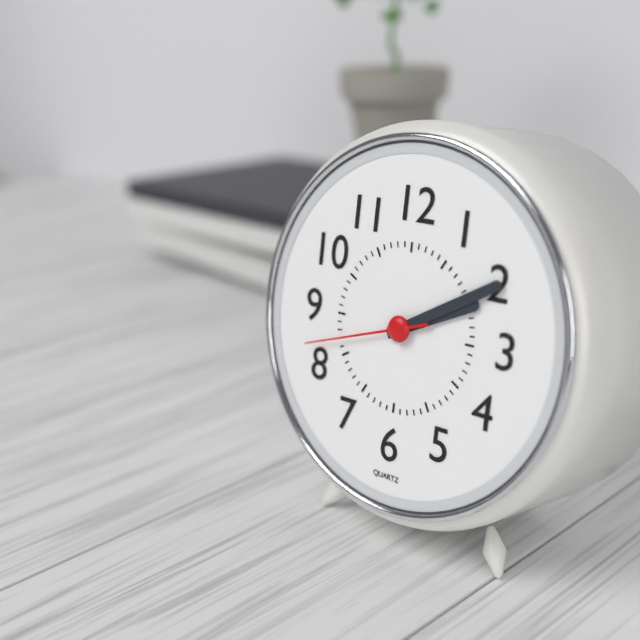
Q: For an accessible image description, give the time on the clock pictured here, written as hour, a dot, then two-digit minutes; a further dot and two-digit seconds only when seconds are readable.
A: 2.10.42
